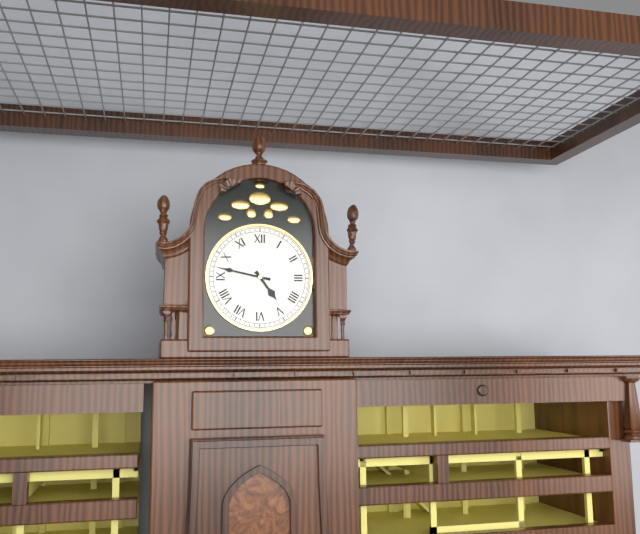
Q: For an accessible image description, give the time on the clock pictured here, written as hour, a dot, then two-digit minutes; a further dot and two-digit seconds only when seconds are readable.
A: 4.47
